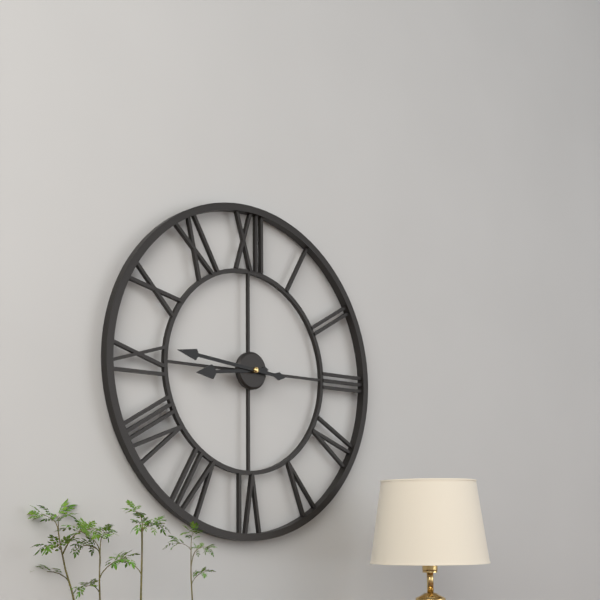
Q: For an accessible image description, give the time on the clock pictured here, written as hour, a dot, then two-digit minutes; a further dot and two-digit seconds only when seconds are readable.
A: 8.46
